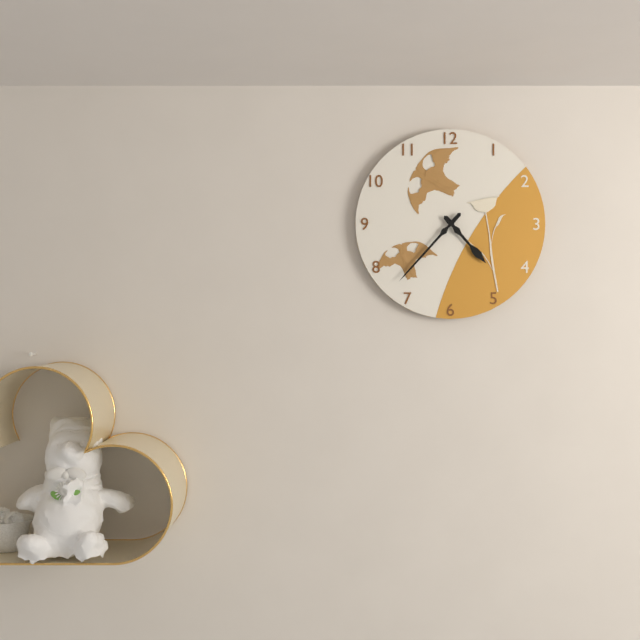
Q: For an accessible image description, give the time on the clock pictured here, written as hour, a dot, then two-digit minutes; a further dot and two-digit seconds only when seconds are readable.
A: 4.37
